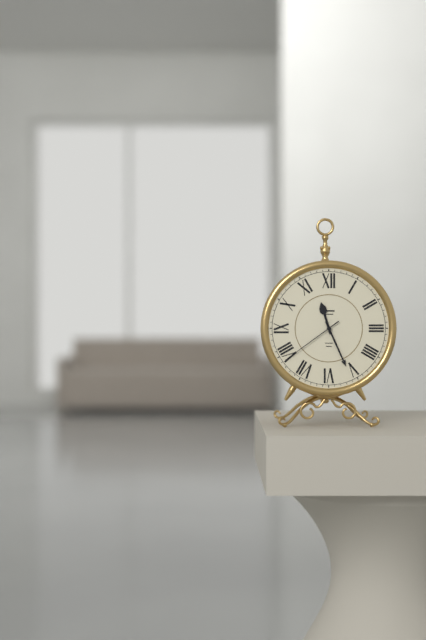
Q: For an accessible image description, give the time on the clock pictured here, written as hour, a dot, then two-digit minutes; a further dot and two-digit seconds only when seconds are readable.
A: 11.26.39
